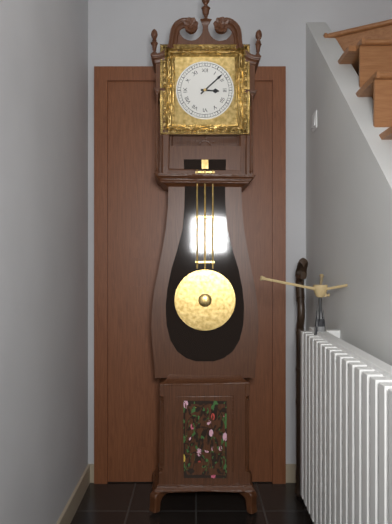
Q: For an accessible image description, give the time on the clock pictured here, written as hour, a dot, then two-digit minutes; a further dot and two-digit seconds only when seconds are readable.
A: 3.08
